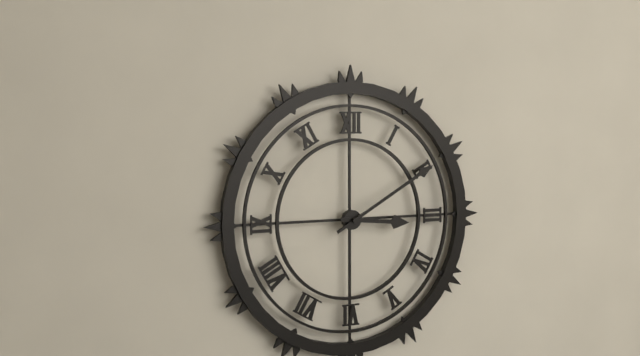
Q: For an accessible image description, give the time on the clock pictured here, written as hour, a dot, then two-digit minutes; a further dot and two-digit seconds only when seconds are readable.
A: 3.10
